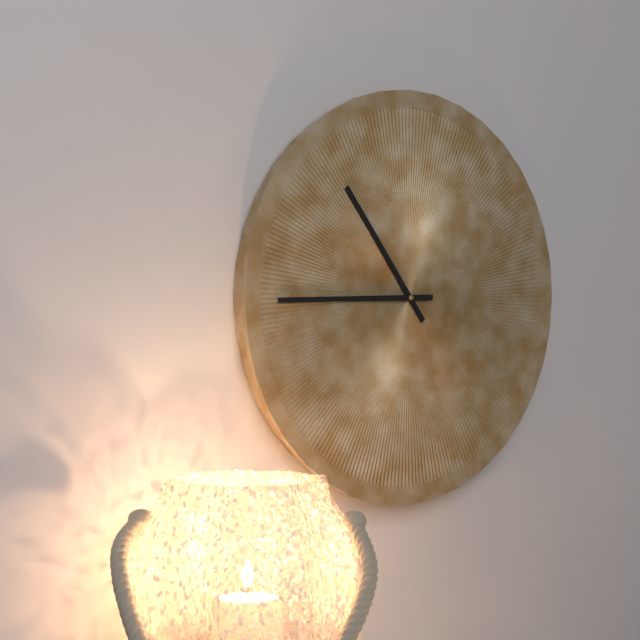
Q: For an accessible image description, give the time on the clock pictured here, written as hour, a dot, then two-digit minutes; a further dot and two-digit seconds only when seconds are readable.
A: 10.45
